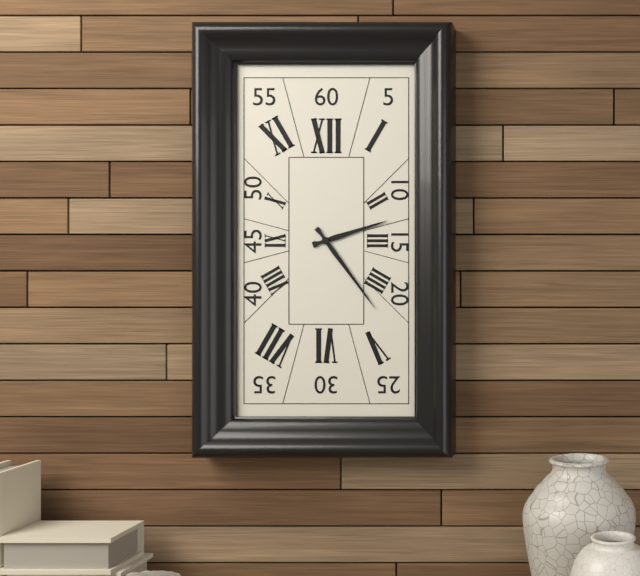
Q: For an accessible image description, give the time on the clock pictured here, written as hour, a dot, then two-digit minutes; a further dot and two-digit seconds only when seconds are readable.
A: 2.24
